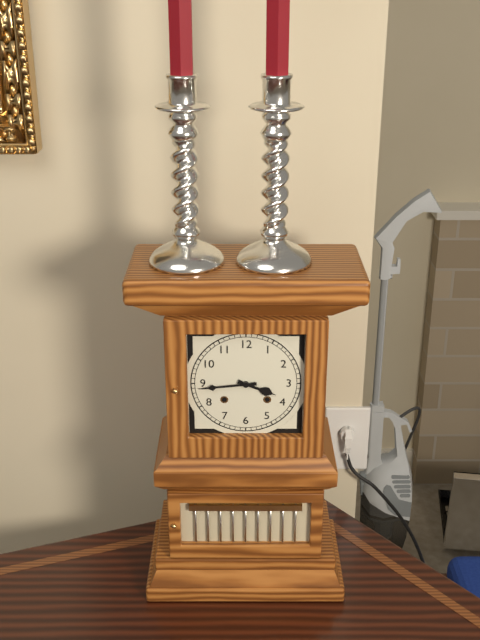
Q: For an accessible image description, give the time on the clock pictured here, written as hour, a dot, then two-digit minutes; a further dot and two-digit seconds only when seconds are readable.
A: 3.44
